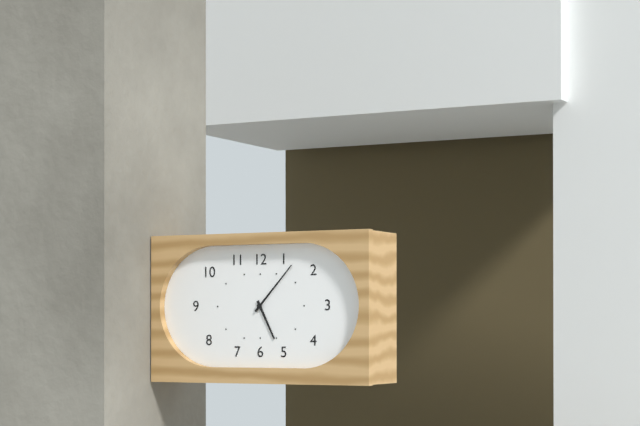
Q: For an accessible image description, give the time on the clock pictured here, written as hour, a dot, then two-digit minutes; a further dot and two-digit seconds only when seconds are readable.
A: 5.07
